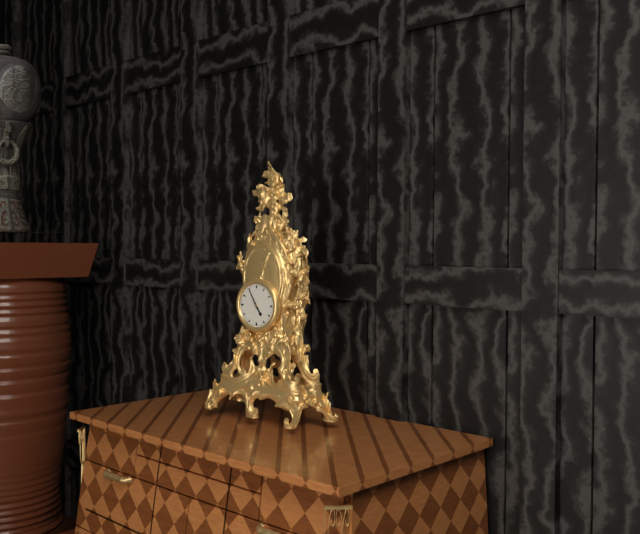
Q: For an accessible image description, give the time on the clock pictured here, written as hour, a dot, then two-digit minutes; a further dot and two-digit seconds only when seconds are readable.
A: 4.55
